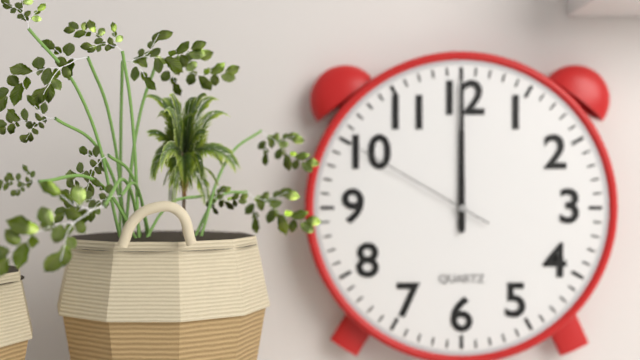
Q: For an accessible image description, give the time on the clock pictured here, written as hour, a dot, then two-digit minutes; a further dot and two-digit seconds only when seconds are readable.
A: 12.00.50
